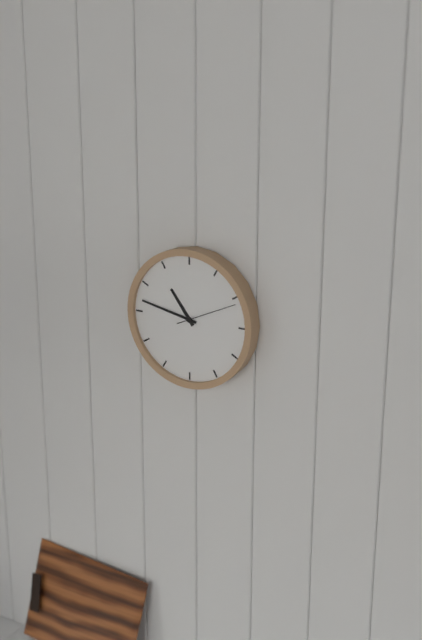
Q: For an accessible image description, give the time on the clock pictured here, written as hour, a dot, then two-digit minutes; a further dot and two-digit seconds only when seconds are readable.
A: 10.47
